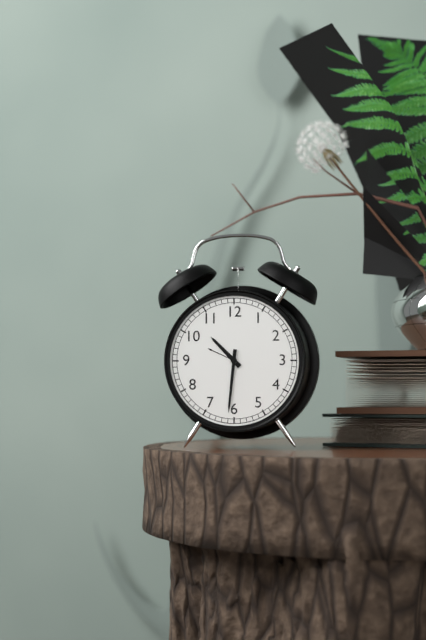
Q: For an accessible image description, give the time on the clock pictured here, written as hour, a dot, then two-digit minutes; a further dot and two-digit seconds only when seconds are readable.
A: 10.31
